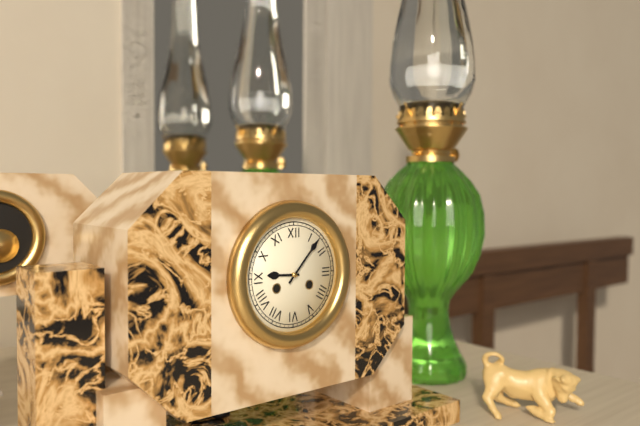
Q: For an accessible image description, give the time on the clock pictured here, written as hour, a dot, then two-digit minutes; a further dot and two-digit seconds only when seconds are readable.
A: 9.07
